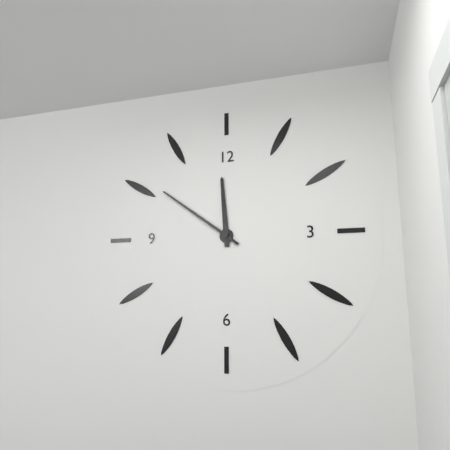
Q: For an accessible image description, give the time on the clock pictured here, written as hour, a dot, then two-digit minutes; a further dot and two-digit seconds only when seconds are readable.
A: 11.51
